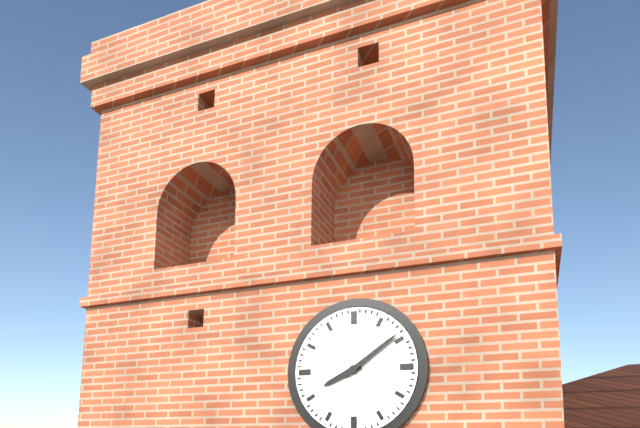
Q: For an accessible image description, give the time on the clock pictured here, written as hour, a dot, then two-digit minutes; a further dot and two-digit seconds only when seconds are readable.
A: 8.09
